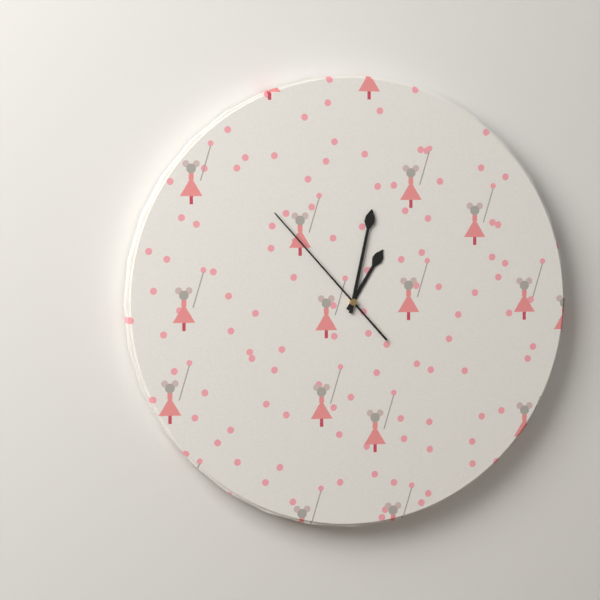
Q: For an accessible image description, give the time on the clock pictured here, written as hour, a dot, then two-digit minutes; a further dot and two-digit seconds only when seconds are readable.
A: 1.02.53
